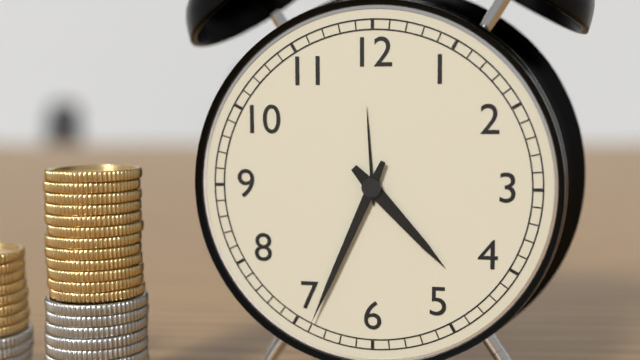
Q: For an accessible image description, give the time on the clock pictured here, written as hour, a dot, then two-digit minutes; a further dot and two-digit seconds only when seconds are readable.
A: 4.34
